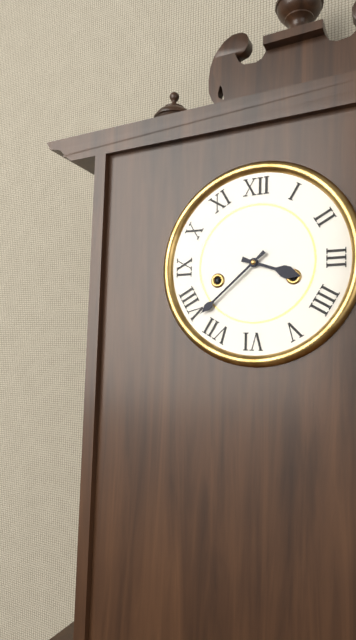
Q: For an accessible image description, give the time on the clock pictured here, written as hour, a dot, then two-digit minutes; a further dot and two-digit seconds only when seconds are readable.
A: 3.38
